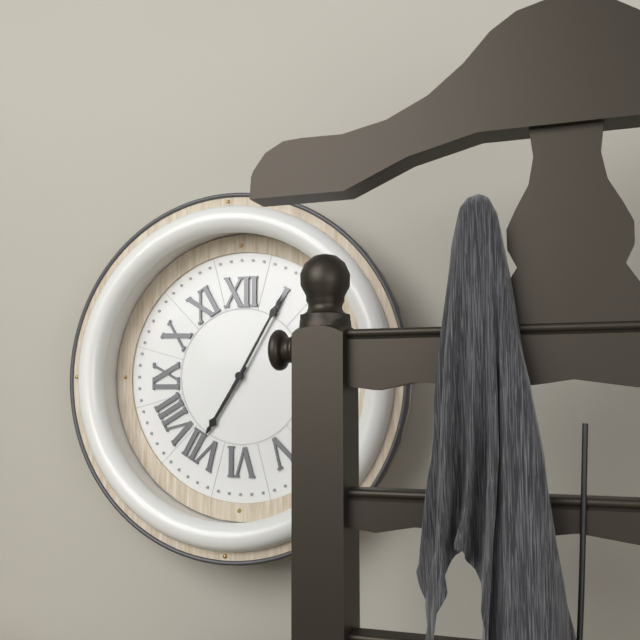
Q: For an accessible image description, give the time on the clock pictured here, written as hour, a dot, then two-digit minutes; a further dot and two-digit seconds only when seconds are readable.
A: 7.05
